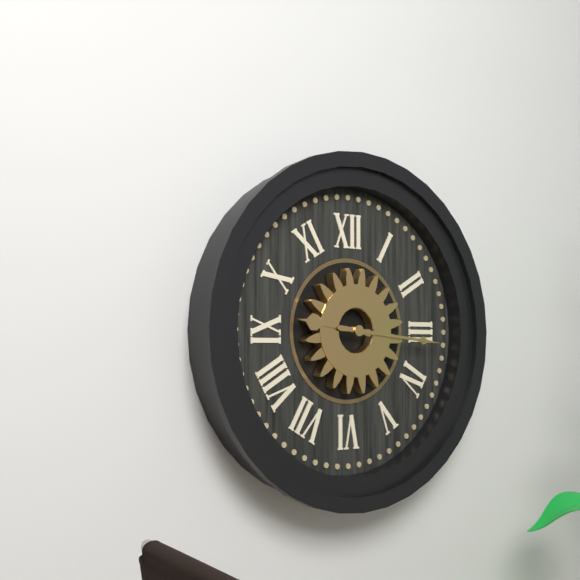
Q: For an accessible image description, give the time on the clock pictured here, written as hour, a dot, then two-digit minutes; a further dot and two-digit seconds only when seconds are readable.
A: 9.16
